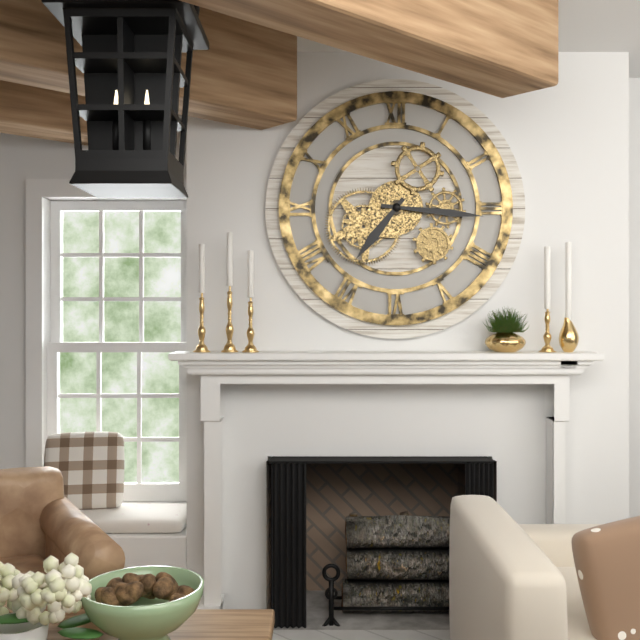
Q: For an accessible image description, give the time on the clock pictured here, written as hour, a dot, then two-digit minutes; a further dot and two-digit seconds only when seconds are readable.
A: 7.16
